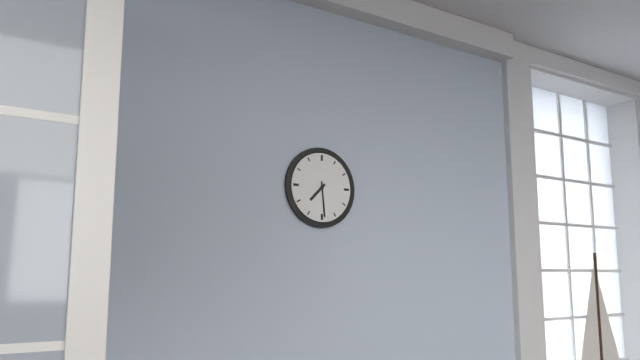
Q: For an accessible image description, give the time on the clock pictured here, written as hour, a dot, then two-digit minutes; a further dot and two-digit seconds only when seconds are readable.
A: 7.29
